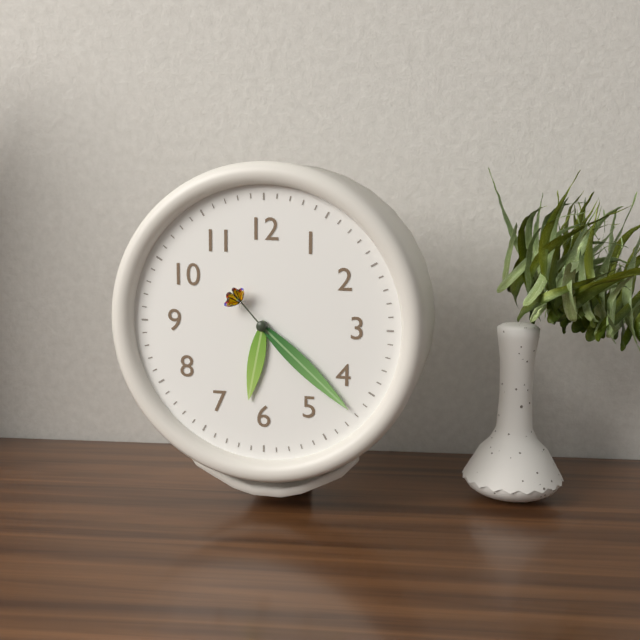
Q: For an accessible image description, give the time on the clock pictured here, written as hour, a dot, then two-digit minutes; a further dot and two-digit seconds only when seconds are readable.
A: 6.22.53
